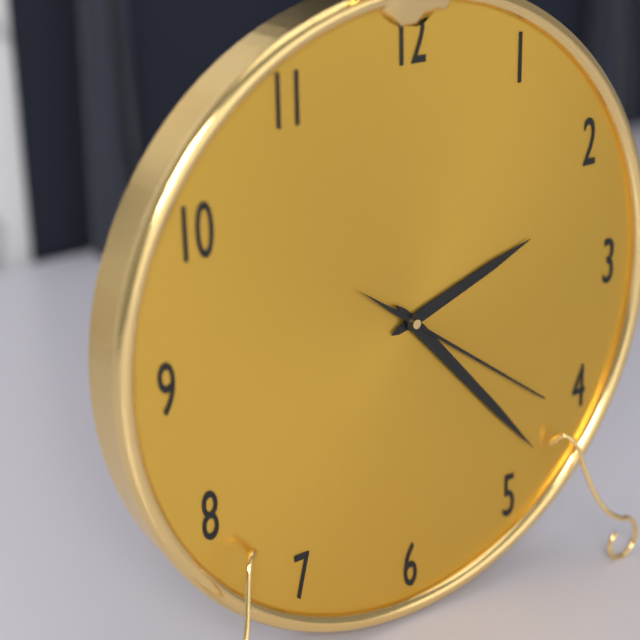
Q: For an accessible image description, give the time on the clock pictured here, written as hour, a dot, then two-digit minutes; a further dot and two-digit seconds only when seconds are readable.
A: 2.23.21
